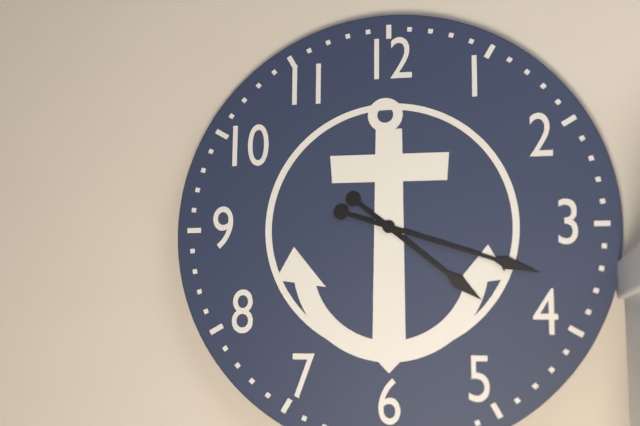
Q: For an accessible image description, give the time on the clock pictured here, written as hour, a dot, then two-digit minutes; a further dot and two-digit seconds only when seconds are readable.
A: 4.18
